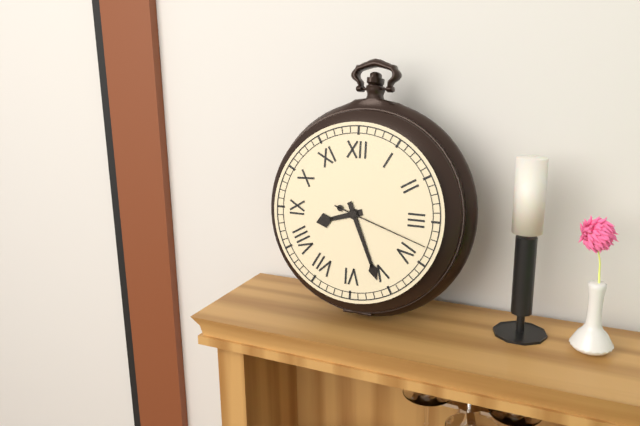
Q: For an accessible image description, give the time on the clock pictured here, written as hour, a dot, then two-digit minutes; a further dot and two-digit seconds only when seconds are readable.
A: 8.26.18
